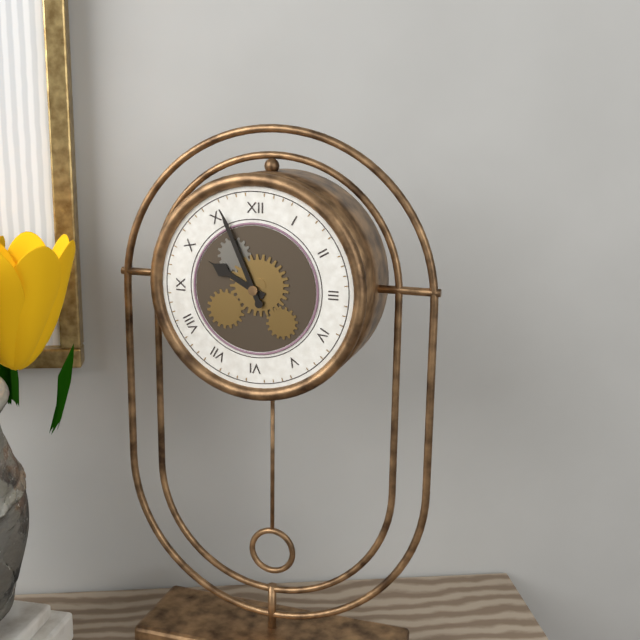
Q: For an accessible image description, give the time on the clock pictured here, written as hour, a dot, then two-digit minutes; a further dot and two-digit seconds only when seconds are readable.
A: 9.56
